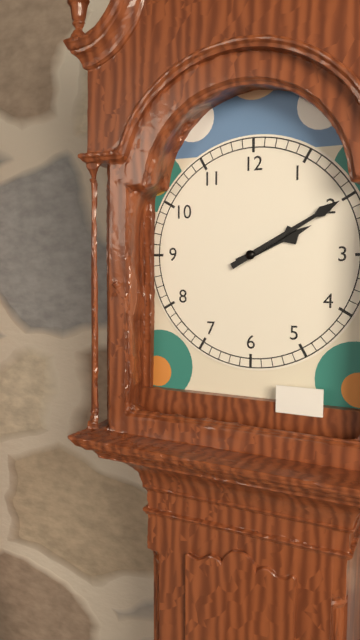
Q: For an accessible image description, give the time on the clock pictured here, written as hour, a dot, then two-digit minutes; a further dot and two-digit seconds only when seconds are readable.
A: 2.10
